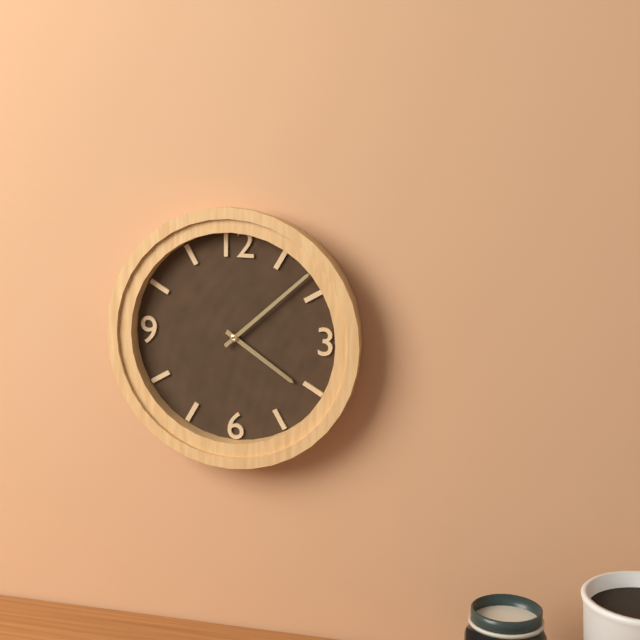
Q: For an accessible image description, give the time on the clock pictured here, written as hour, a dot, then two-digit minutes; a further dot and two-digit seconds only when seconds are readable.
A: 4.08
